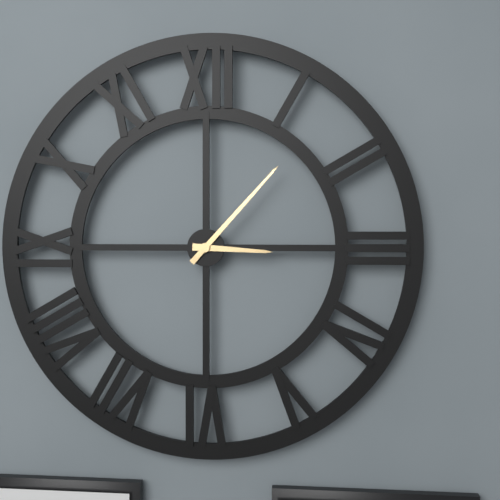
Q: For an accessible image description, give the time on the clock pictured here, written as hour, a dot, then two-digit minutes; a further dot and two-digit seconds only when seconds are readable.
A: 3.07
